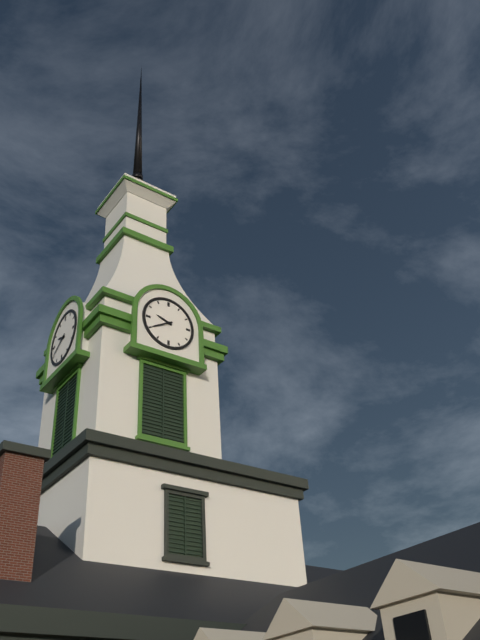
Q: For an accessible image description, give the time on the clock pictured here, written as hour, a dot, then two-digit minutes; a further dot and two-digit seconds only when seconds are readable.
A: 9.40
